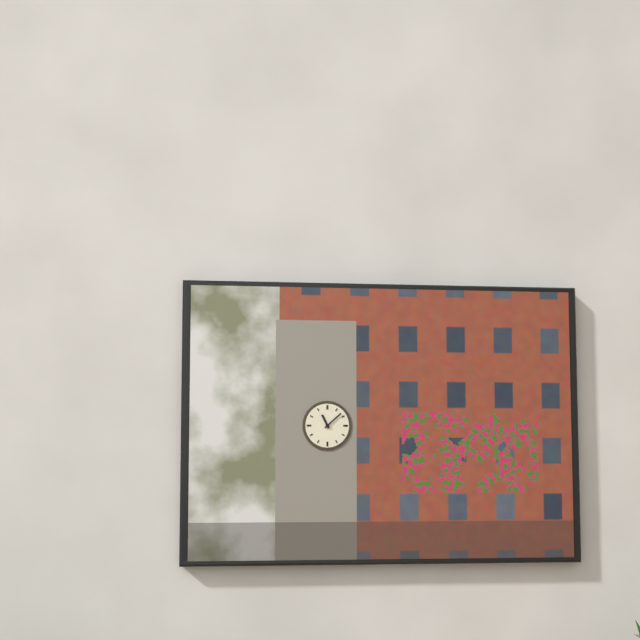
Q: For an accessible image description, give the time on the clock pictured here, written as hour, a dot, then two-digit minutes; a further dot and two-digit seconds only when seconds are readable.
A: 11.08
